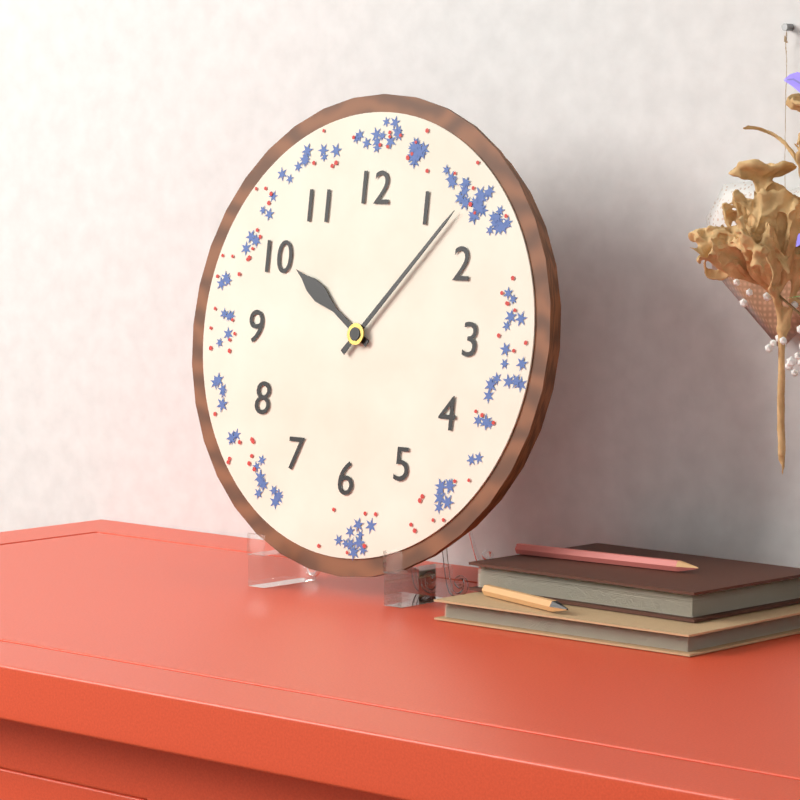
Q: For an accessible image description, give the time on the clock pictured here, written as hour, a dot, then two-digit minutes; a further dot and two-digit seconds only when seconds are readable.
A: 10.07
